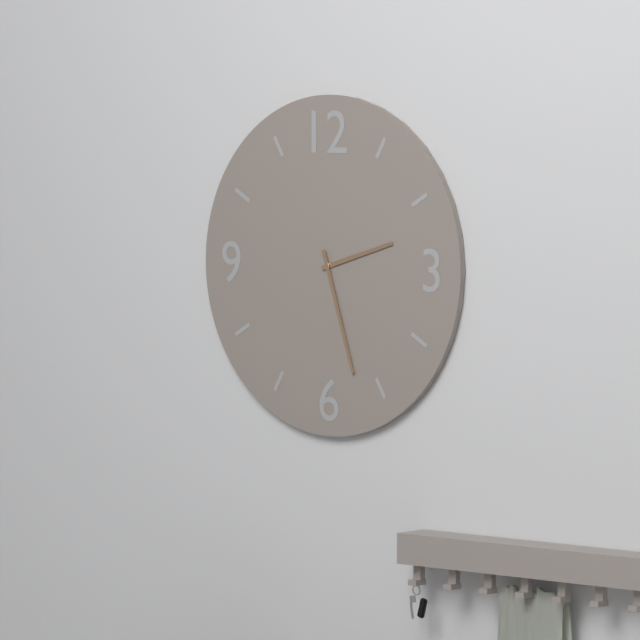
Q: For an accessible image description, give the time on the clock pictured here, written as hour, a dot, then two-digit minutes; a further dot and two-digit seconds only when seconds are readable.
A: 2.27
